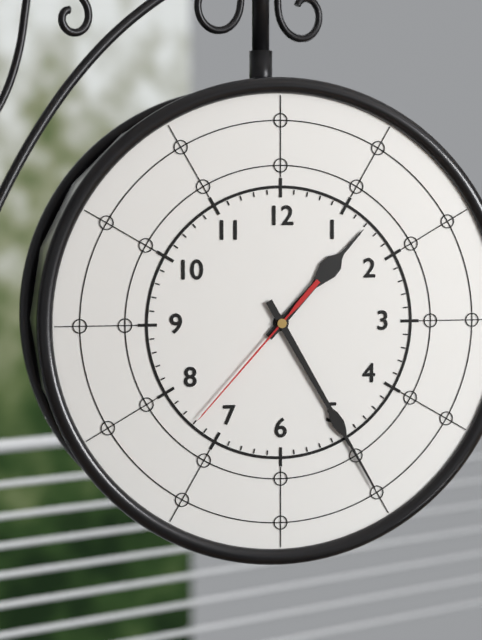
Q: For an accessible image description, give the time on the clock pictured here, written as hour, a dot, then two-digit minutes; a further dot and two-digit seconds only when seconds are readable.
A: 1.25.37
